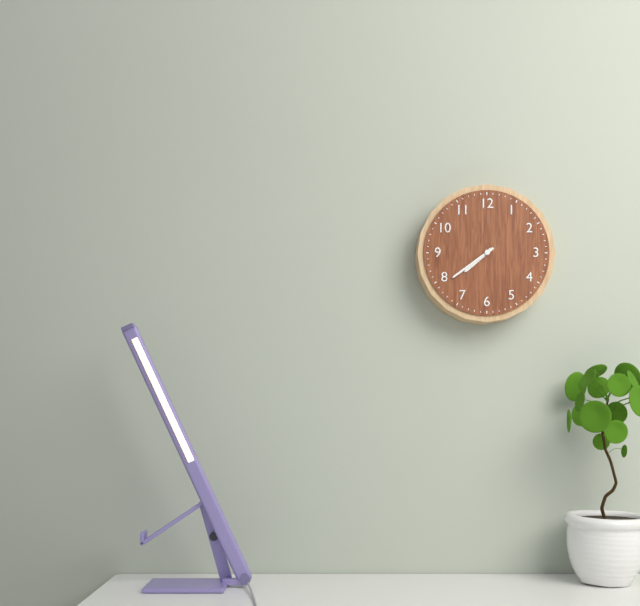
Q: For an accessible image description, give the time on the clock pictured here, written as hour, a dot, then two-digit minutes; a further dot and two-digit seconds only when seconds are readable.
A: 7.39
